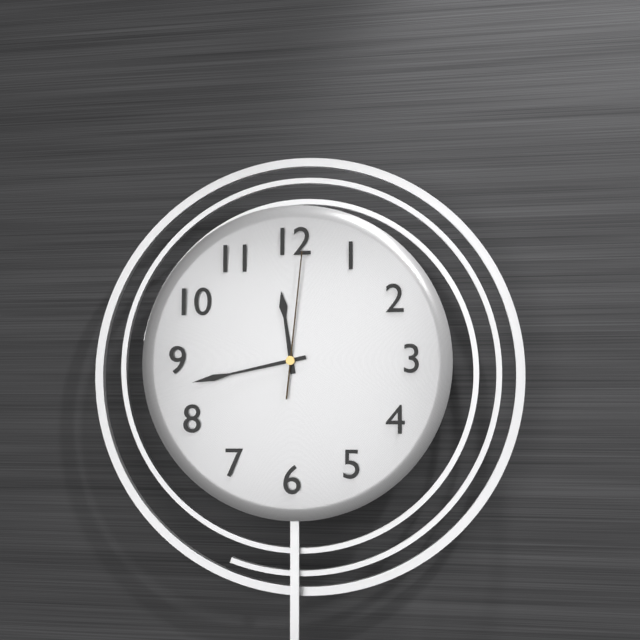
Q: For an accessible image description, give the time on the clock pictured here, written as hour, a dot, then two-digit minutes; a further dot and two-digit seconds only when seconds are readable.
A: 11.43.01
